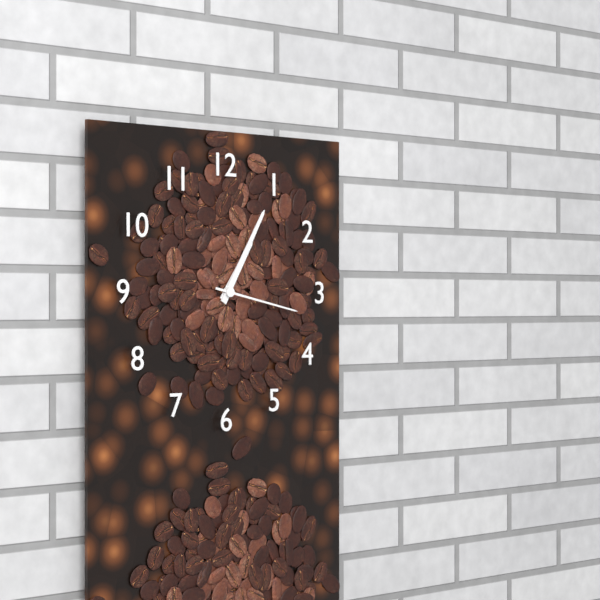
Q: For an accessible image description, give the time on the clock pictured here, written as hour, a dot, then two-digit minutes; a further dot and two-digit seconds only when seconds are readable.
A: 1.05.17
